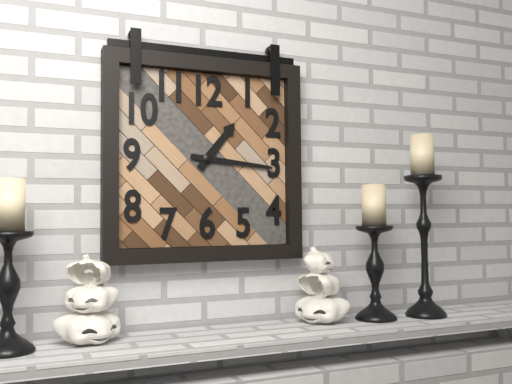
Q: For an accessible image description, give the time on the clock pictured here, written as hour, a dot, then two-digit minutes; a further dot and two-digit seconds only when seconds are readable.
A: 1.16
